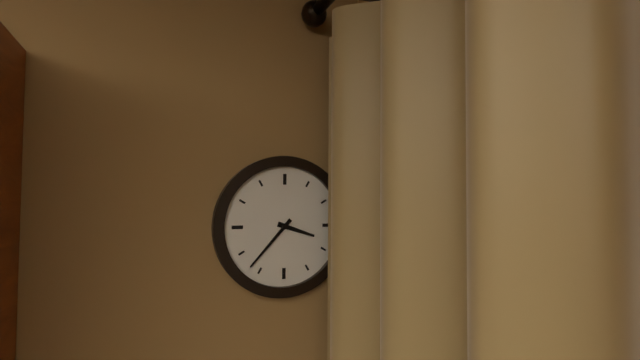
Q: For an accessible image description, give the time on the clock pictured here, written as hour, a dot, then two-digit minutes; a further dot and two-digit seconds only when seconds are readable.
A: 3.37
